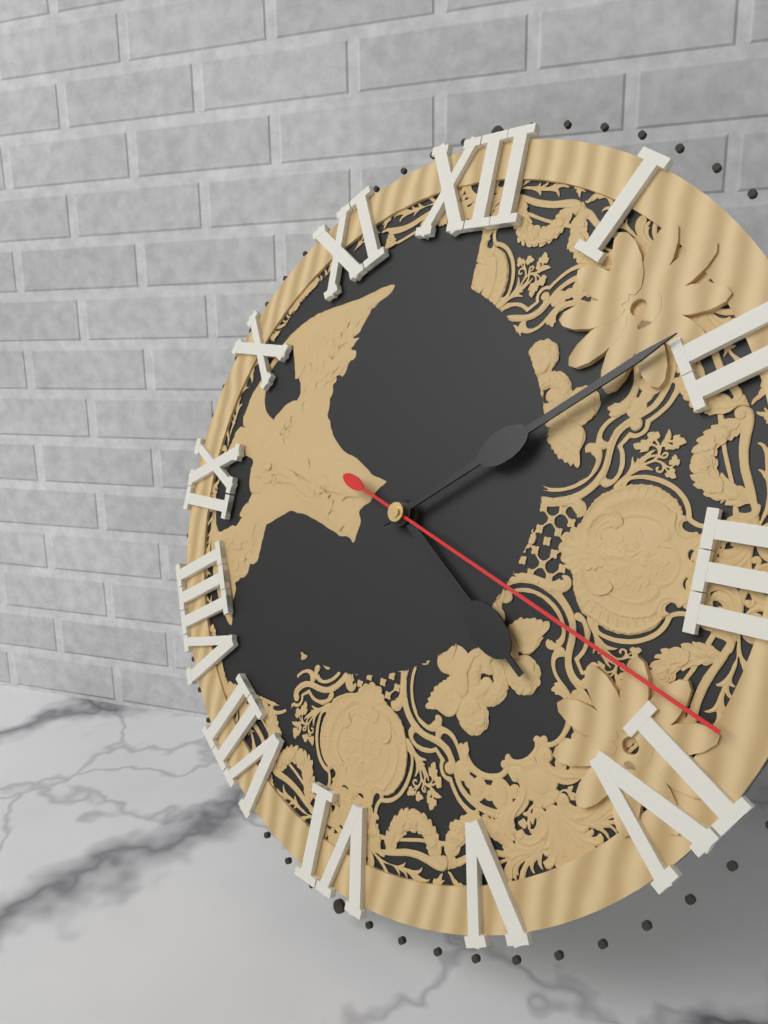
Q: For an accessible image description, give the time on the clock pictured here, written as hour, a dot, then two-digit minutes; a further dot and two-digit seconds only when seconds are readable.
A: 4.09.18
